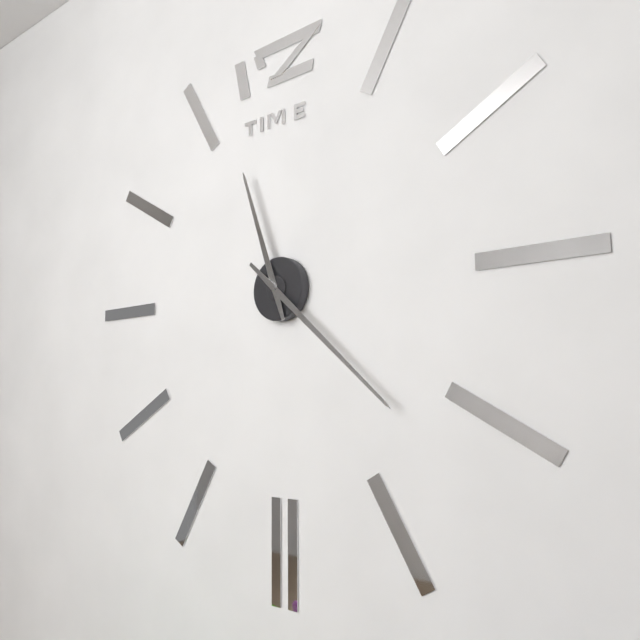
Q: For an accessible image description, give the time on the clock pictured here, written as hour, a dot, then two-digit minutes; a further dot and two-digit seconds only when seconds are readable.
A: 11.22
